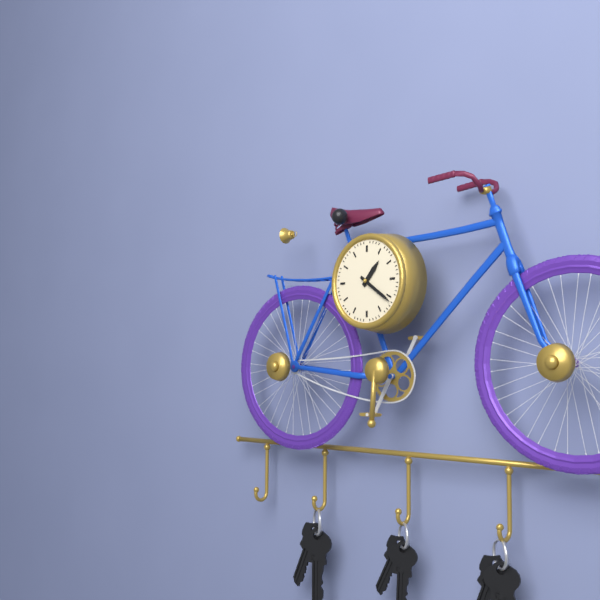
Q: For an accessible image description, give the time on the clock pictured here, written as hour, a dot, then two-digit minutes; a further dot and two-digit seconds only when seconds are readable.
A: 1.21
